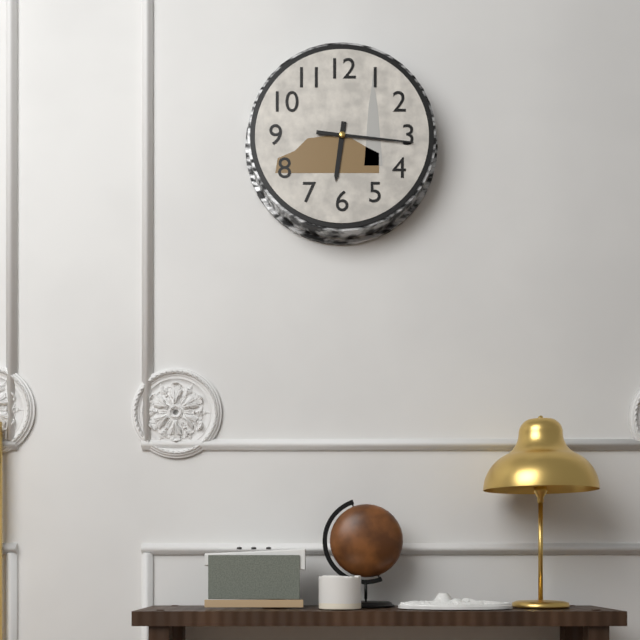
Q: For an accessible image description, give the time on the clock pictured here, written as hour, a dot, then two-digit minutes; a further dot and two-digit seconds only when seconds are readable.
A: 6.16
